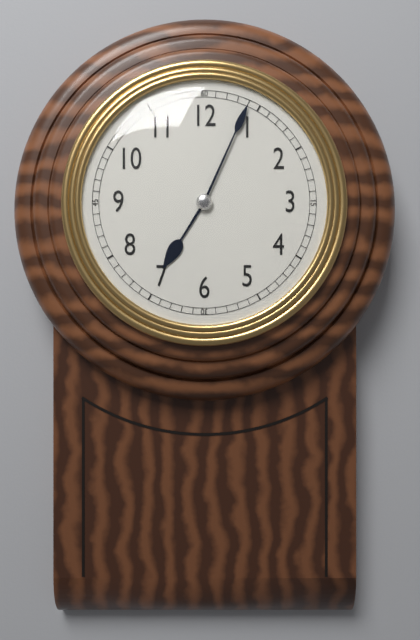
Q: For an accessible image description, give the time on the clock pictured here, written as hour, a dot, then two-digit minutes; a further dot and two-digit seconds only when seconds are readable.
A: 7.04
